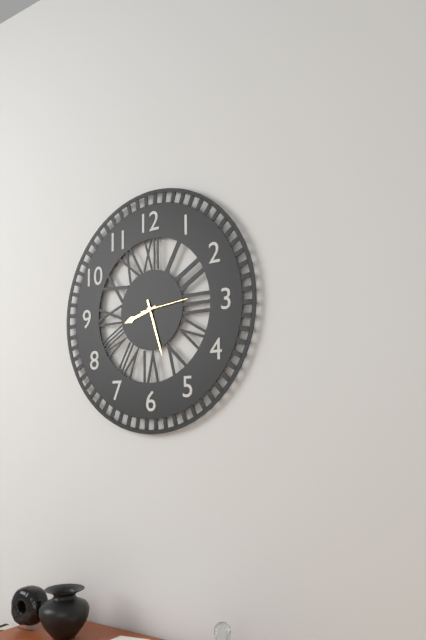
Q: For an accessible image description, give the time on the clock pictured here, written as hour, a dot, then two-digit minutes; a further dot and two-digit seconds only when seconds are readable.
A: 8.27
